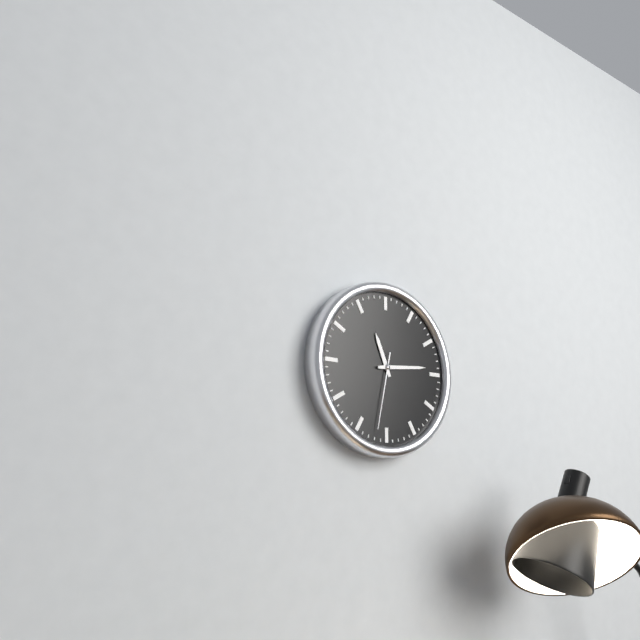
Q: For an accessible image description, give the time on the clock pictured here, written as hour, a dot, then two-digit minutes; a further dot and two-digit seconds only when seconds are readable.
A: 11.14.32
